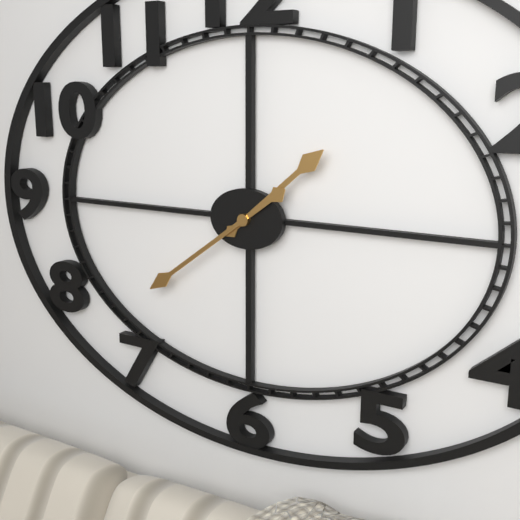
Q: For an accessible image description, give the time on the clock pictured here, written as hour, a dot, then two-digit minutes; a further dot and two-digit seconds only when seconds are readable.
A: 1.39
